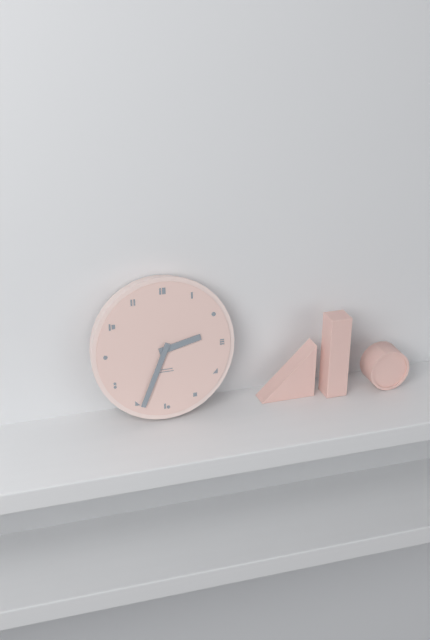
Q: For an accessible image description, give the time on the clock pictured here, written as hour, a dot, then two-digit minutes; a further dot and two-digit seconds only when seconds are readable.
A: 2.34
